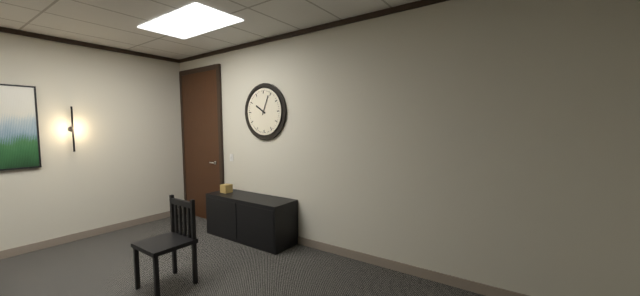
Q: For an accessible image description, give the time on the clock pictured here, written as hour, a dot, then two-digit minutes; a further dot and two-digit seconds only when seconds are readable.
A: 10.04
